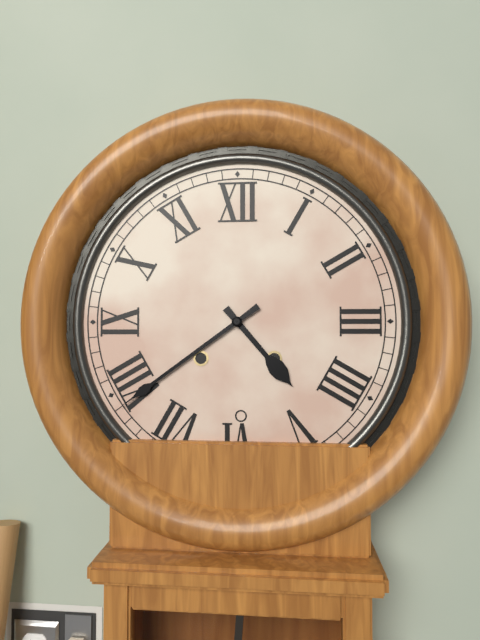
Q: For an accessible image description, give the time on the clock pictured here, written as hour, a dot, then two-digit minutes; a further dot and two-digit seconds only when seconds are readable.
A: 4.39
